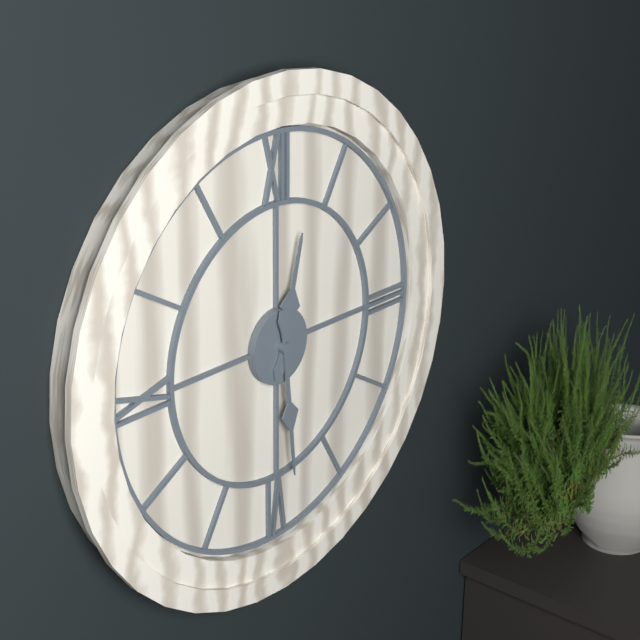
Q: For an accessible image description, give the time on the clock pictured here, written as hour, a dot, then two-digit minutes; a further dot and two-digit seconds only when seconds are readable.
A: 12.29
